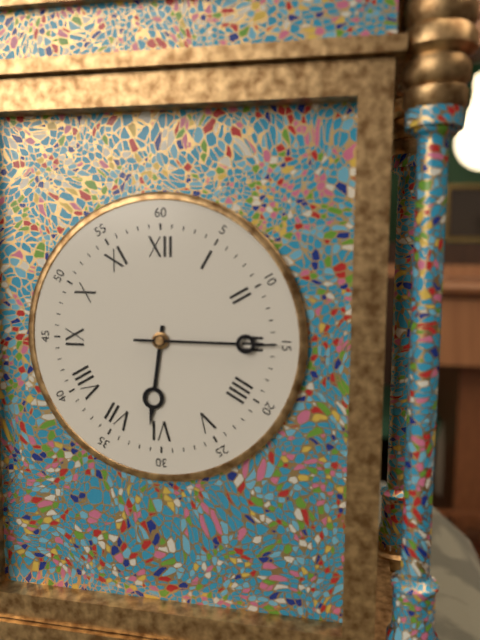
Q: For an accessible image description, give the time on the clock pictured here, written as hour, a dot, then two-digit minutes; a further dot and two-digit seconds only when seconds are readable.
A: 6.15
